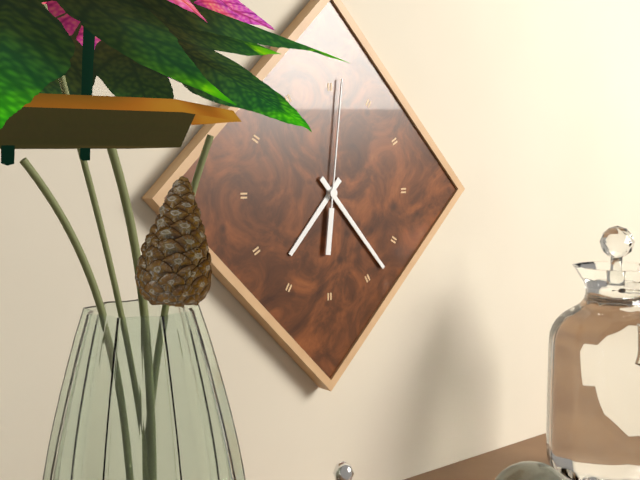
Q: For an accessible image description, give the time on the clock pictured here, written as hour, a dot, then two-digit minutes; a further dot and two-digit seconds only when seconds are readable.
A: 7.23.01
